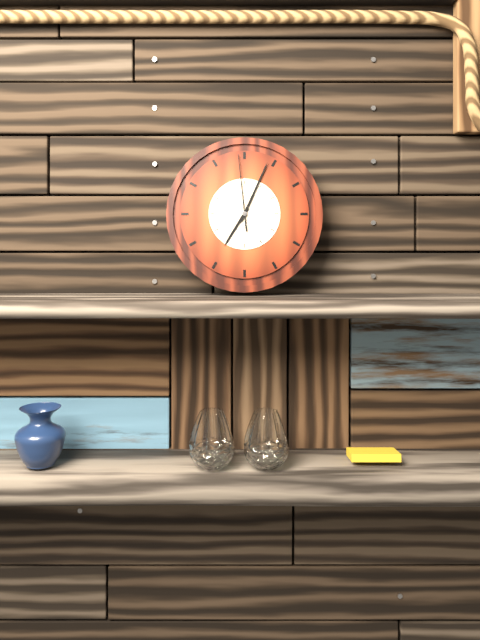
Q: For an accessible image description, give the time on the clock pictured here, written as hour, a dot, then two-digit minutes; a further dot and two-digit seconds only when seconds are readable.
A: 7.04.59
